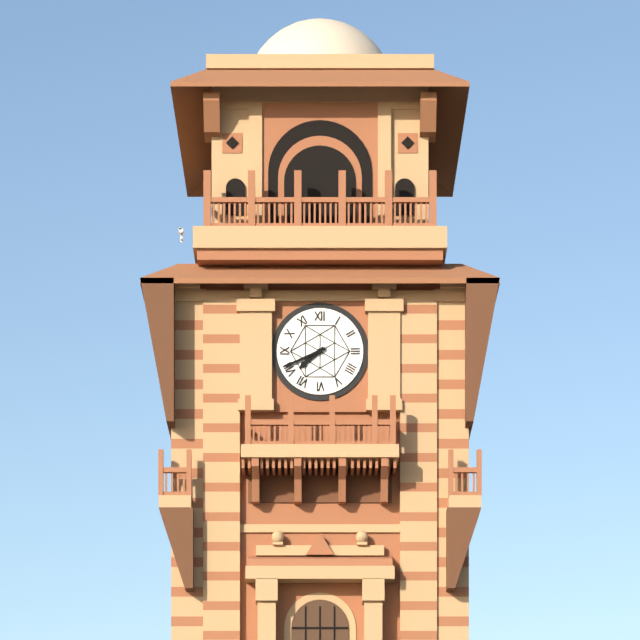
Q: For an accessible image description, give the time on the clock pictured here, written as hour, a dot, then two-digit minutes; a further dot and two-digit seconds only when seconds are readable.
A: 7.41
